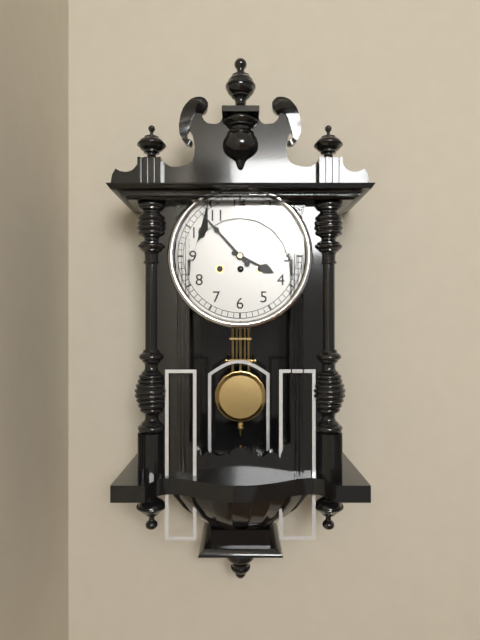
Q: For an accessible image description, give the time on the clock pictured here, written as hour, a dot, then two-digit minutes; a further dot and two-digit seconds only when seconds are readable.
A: 3.53
